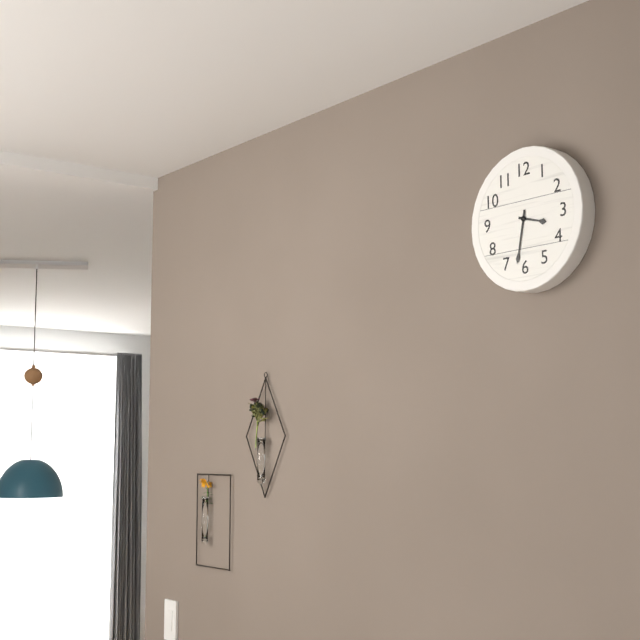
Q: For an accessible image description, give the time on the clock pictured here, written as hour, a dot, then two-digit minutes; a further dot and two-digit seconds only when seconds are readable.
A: 3.32
